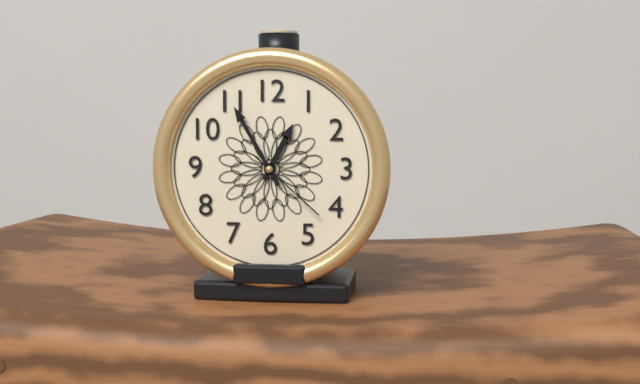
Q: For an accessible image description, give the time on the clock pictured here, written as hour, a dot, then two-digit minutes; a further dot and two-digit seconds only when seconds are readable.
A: 12.55.22
